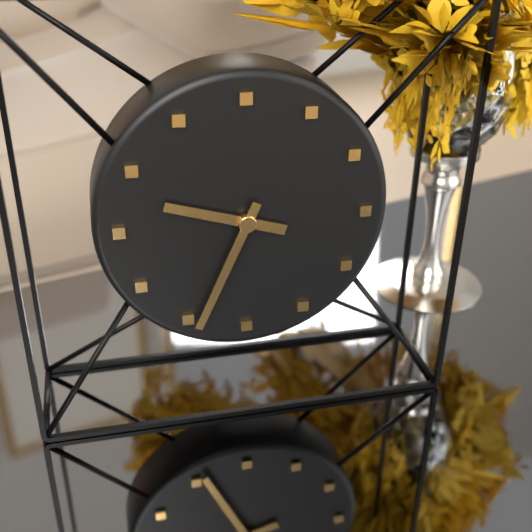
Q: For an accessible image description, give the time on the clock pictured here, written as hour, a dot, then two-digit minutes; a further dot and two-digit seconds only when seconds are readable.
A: 9.34
